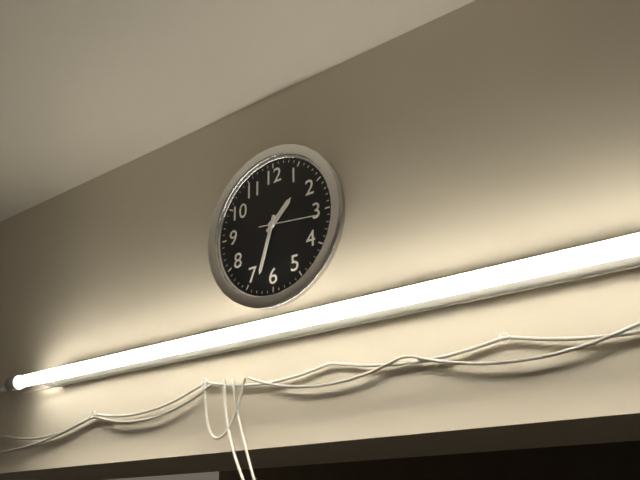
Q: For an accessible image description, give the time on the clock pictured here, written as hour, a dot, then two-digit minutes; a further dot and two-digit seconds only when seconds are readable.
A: 1.33.16
